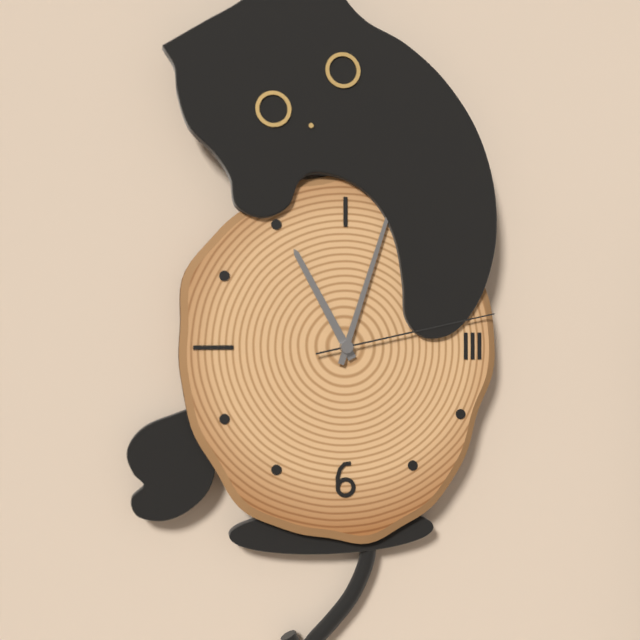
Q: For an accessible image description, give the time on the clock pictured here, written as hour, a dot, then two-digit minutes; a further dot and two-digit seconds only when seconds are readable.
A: 11.03.13
